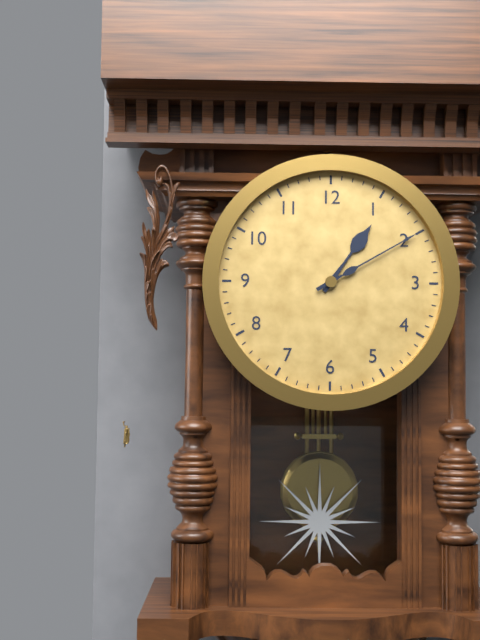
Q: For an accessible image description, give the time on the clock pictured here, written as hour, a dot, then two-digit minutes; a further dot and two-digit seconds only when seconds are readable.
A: 1.10
